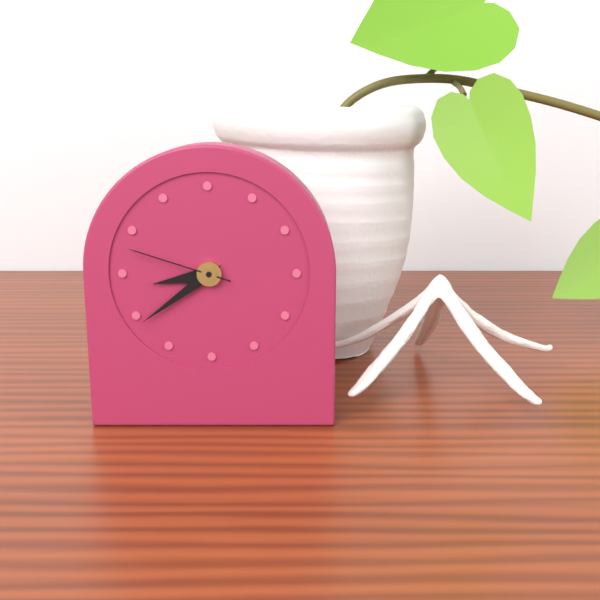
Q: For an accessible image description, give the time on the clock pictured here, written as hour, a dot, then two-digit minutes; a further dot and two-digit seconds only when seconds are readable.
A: 8.39.48
